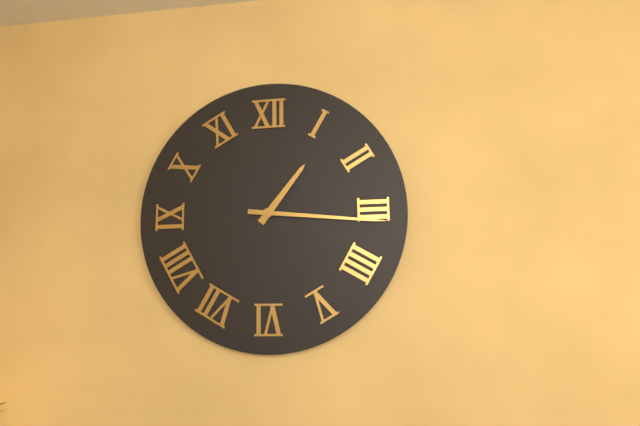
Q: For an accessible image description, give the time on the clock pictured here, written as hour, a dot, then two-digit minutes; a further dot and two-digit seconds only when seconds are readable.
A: 1.16
